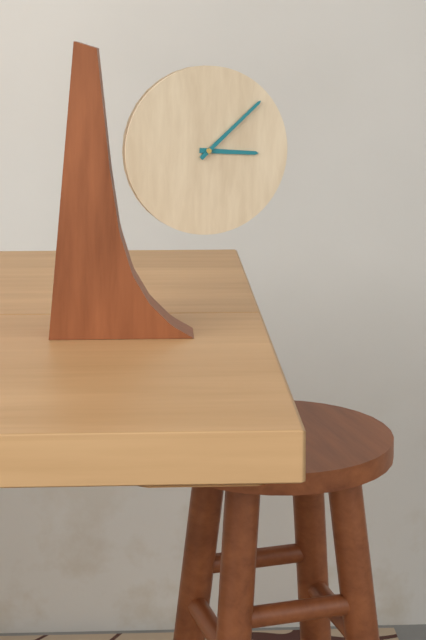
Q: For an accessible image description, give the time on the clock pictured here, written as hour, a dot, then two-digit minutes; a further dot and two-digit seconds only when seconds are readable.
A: 3.08
